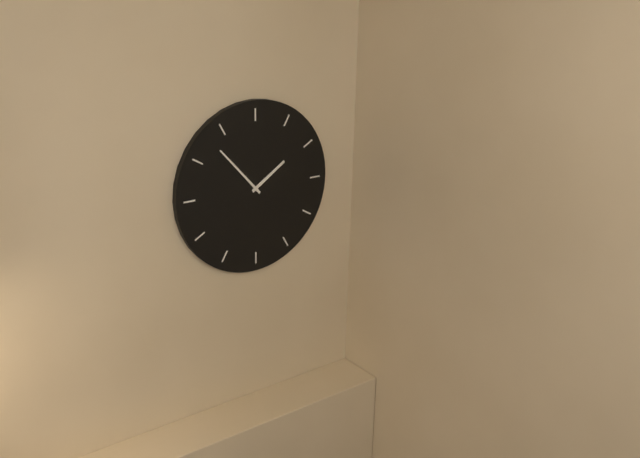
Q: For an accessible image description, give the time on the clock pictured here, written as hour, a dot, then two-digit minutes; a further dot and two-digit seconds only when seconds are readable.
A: 1.53
